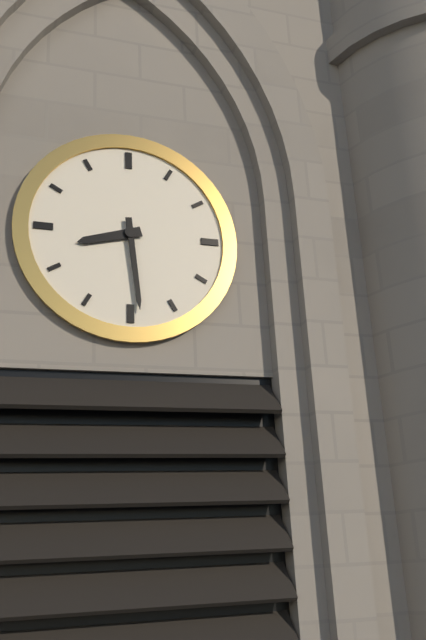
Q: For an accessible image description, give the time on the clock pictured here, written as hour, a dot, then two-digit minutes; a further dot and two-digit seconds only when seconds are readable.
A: 8.29
